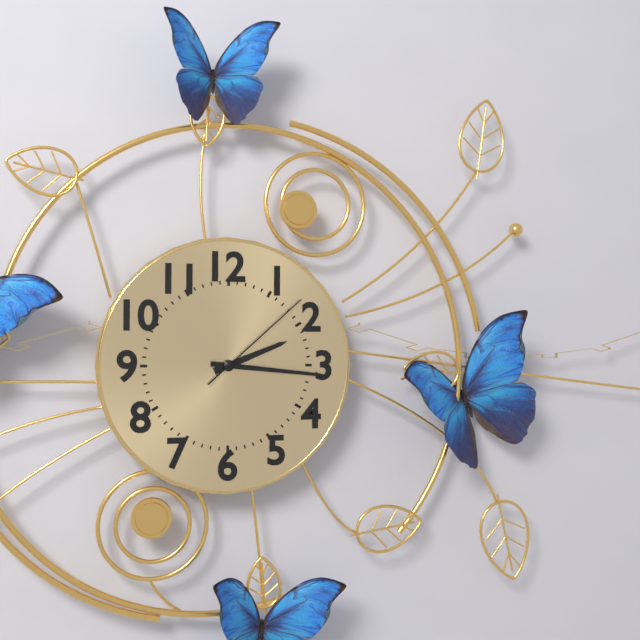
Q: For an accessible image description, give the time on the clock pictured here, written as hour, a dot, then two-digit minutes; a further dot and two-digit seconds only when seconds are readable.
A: 2.16.08
